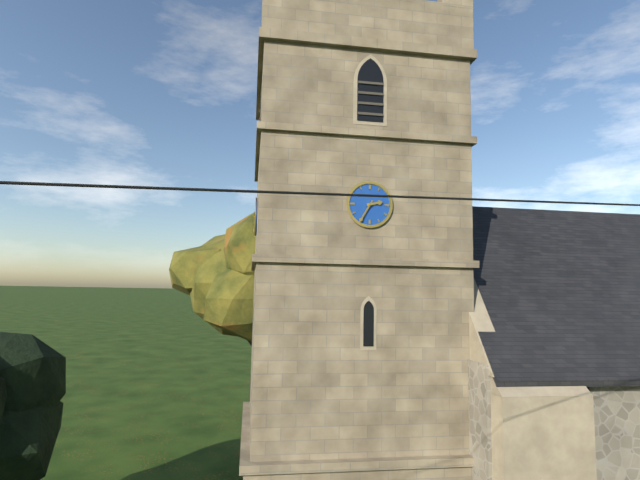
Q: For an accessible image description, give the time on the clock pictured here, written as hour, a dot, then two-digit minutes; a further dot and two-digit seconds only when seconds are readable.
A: 2.35
